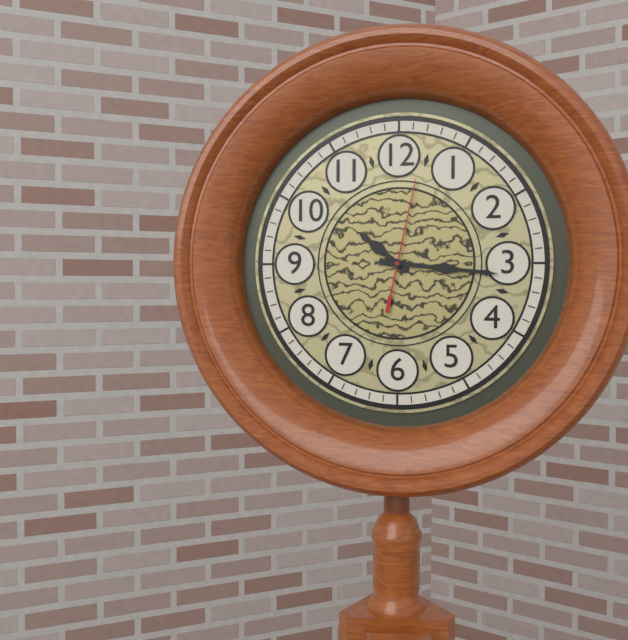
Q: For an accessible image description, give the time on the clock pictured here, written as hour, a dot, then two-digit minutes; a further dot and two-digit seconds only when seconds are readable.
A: 10.16.02
